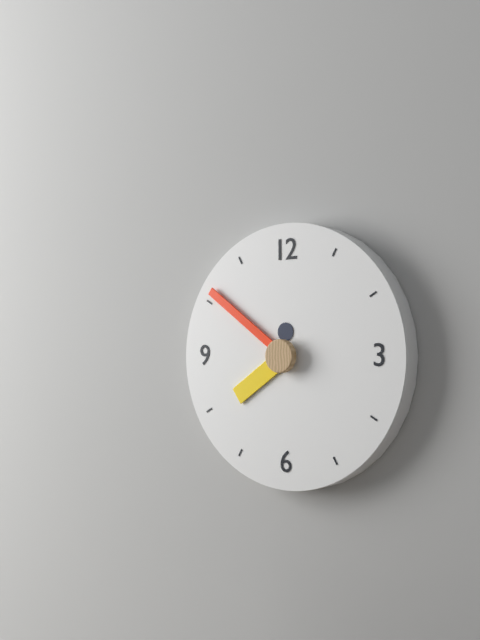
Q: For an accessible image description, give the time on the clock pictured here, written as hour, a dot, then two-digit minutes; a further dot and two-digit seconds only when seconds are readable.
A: 7.51
